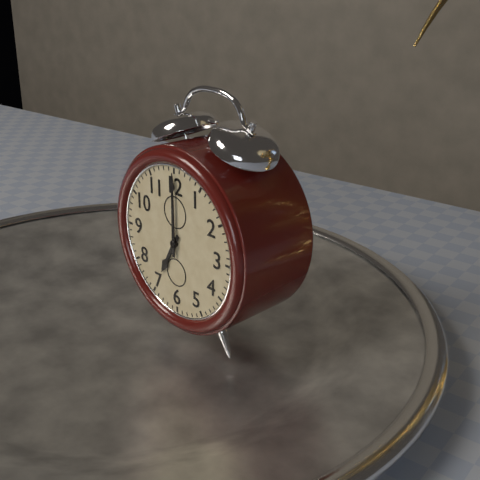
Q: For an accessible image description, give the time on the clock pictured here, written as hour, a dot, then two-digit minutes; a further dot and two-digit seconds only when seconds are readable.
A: 7.00
